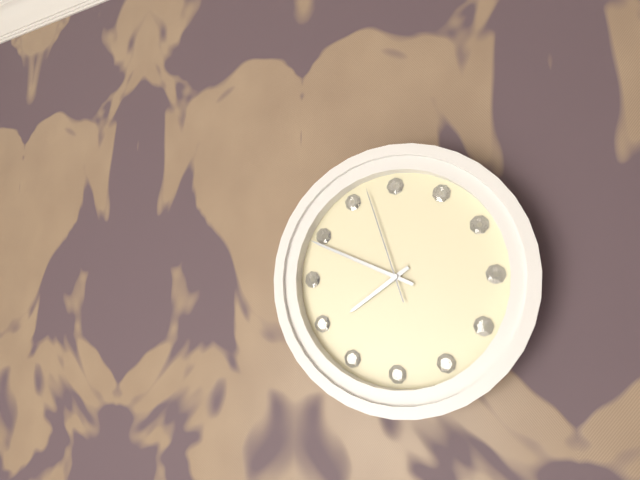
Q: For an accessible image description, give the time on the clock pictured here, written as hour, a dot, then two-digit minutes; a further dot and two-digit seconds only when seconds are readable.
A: 7.49.57
